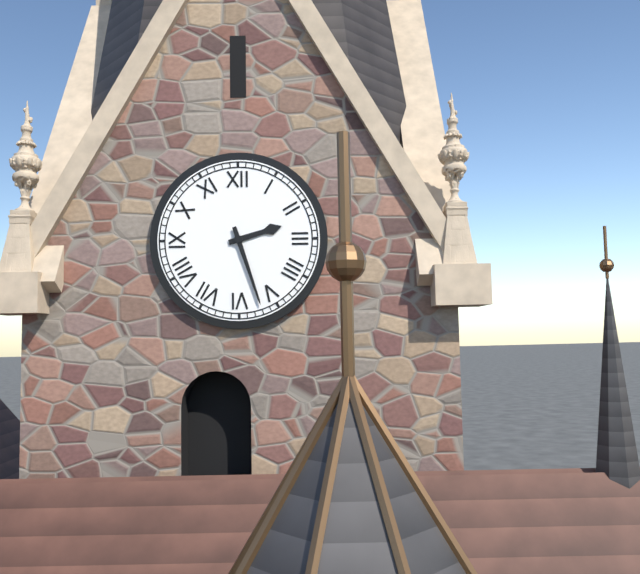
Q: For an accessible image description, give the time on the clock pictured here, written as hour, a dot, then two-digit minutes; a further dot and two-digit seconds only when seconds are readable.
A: 2.27
